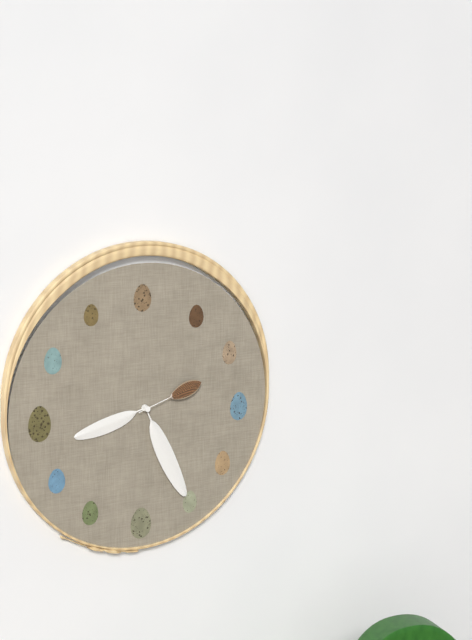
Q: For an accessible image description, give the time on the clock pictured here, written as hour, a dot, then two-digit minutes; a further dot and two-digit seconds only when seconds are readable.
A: 8.26.12
